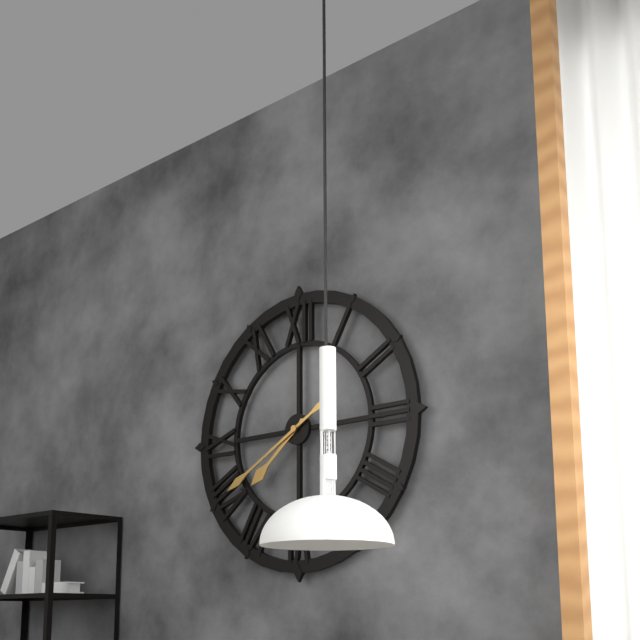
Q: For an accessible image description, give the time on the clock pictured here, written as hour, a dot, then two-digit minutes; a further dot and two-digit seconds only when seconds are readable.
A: 7.40
